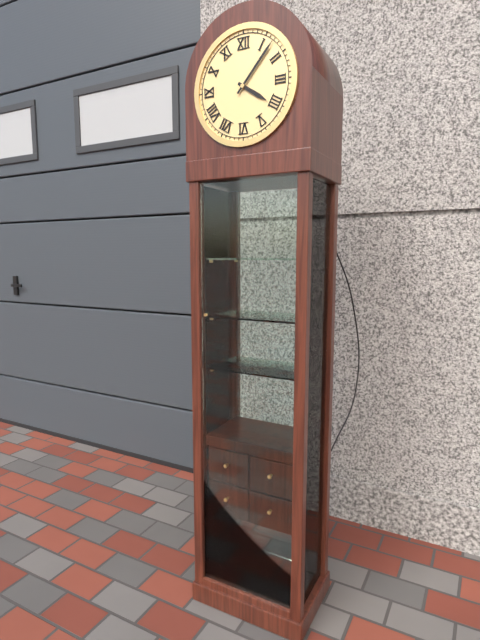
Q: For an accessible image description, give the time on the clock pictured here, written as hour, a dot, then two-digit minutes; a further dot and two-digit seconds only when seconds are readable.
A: 4.07
